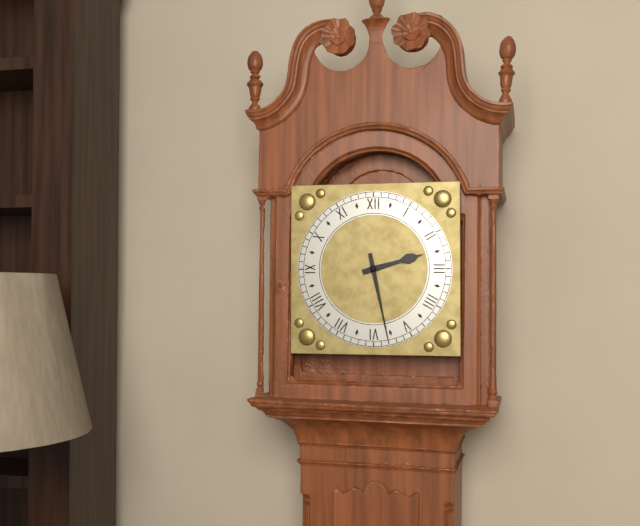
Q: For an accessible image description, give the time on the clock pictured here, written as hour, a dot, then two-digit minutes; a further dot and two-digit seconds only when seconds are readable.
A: 2.28
